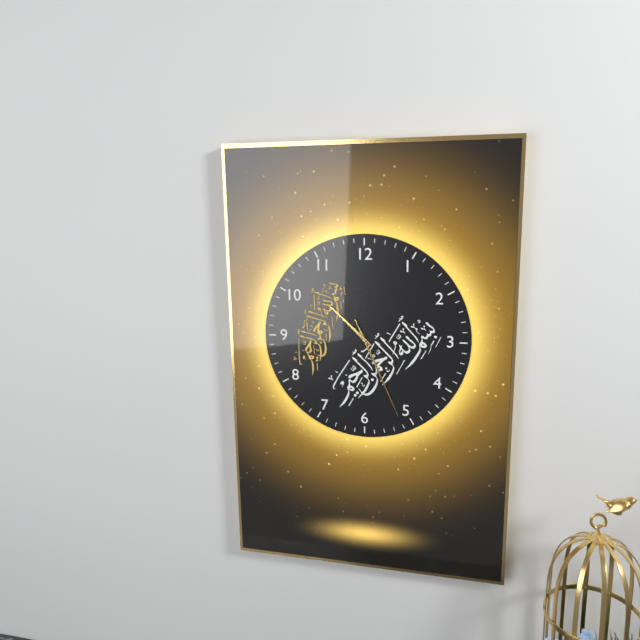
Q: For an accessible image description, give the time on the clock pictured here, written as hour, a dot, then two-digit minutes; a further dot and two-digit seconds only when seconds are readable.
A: 10.26.26
